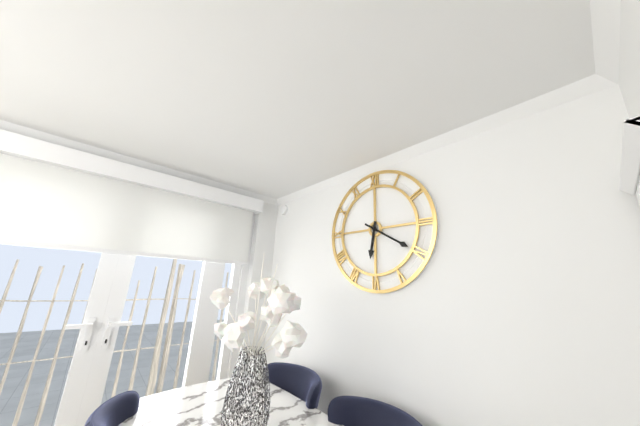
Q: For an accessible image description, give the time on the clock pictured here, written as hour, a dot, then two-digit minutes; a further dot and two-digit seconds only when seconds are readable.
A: 6.20
